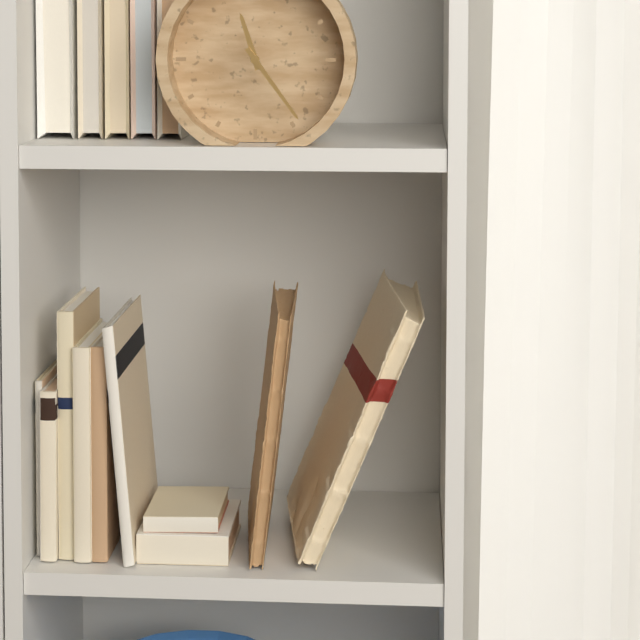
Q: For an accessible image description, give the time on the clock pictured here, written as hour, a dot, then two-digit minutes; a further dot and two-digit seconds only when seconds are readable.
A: 11.24
